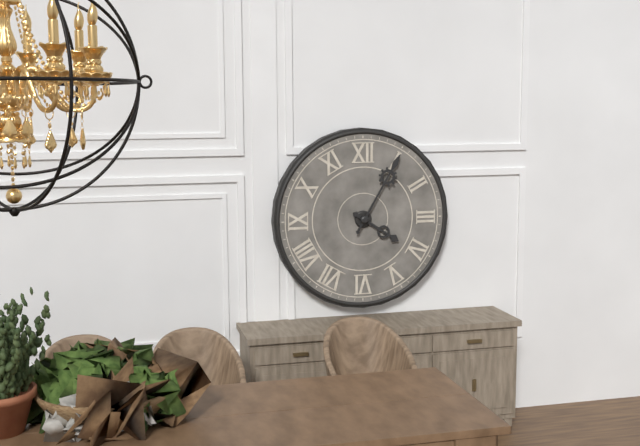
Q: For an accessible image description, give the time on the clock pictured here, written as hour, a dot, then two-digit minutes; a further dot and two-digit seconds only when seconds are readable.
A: 4.05
